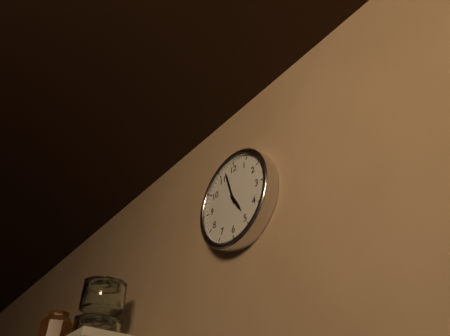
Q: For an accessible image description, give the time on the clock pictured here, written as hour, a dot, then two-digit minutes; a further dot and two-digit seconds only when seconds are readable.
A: 4.57
